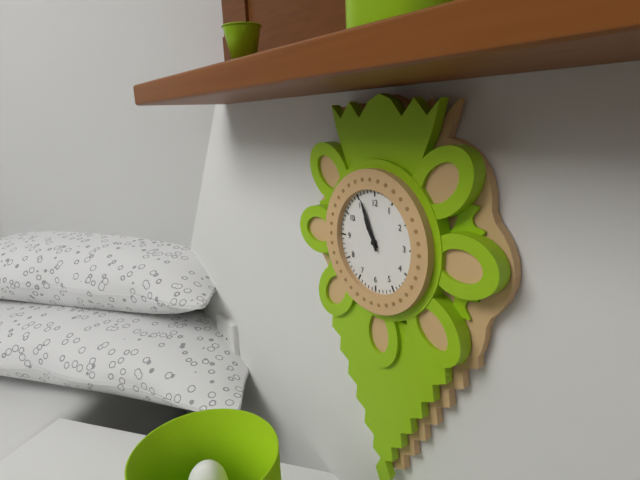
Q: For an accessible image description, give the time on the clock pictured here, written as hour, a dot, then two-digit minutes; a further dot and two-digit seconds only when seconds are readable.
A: 10.56
